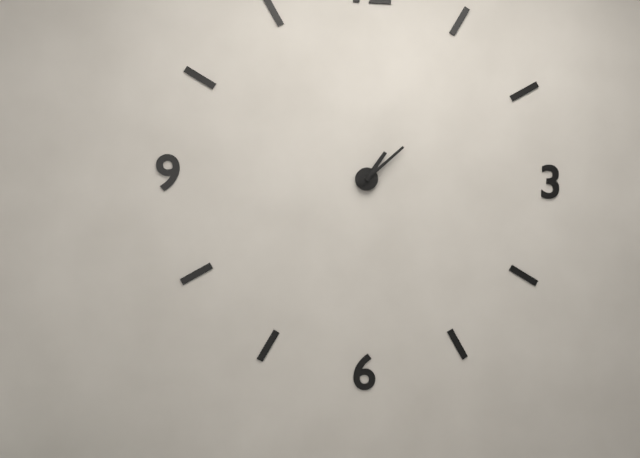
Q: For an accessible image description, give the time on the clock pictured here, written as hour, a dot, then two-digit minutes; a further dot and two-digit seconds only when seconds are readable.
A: 1.08
